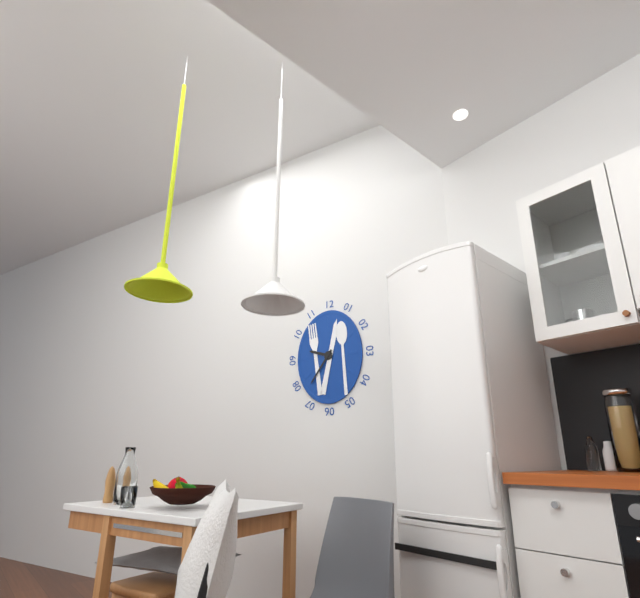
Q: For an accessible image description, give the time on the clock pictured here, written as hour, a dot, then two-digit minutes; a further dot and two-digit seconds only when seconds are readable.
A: 9.36
